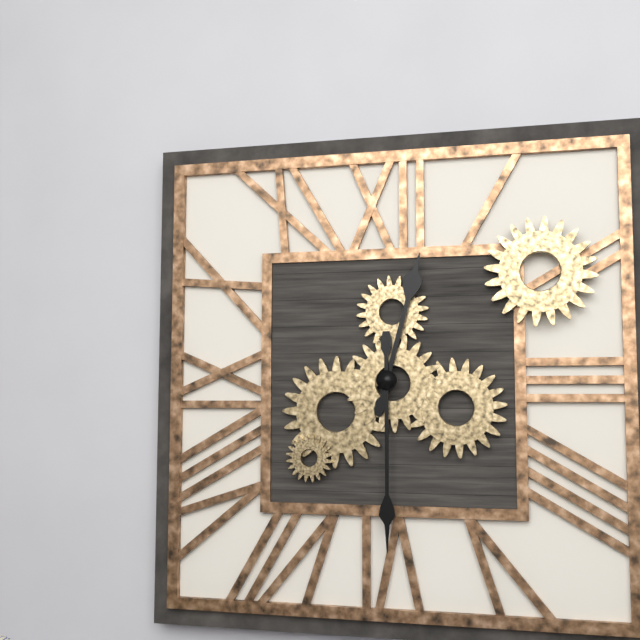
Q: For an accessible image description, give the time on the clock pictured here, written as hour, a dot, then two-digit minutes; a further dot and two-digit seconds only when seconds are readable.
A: 12.30
